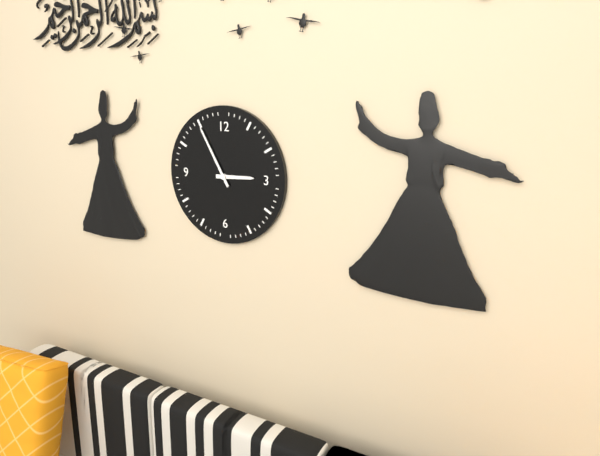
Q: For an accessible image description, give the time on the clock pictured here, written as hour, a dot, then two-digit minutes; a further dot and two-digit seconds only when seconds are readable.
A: 2.55
